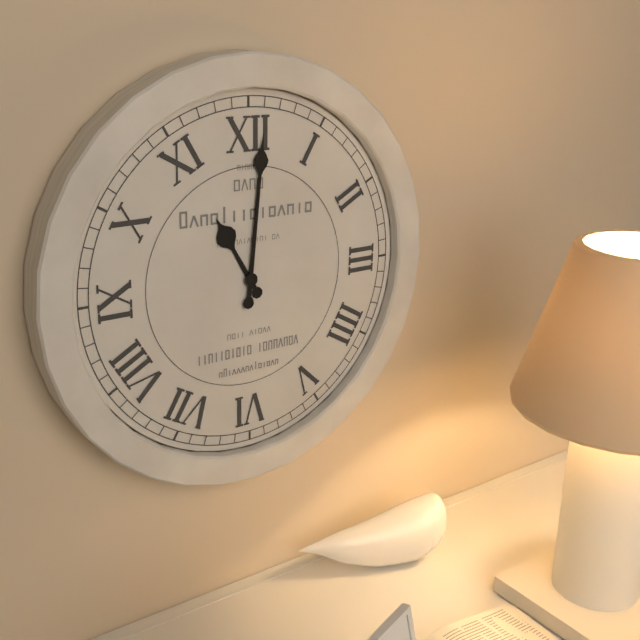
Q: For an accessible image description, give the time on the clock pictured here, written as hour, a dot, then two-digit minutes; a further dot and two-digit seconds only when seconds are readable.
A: 11.01
